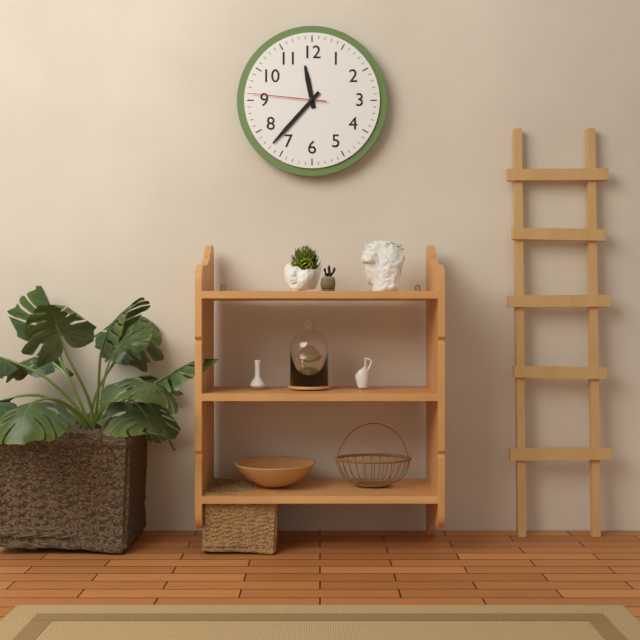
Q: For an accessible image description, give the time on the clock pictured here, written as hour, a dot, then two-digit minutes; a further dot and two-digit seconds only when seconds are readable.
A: 11.37.46
